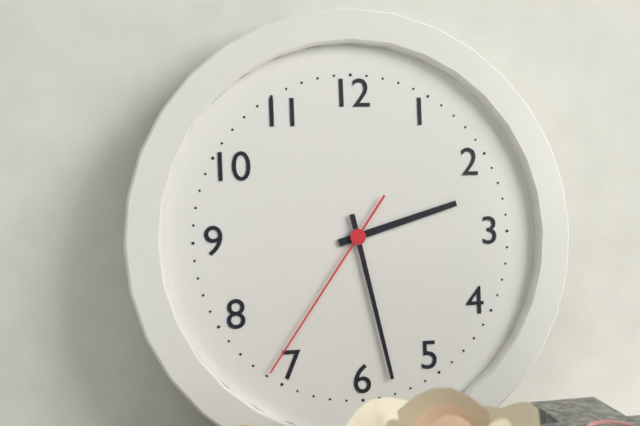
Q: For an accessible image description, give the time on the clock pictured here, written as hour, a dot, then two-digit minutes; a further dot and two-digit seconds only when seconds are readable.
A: 2.28.36
